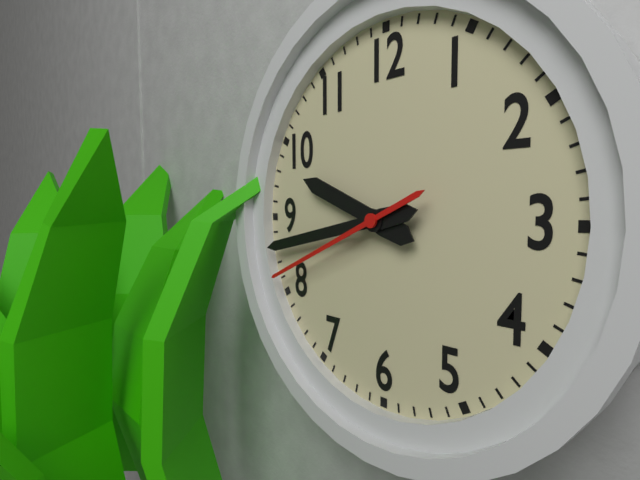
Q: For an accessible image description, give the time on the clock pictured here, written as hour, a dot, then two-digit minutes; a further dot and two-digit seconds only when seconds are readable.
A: 9.43.41
